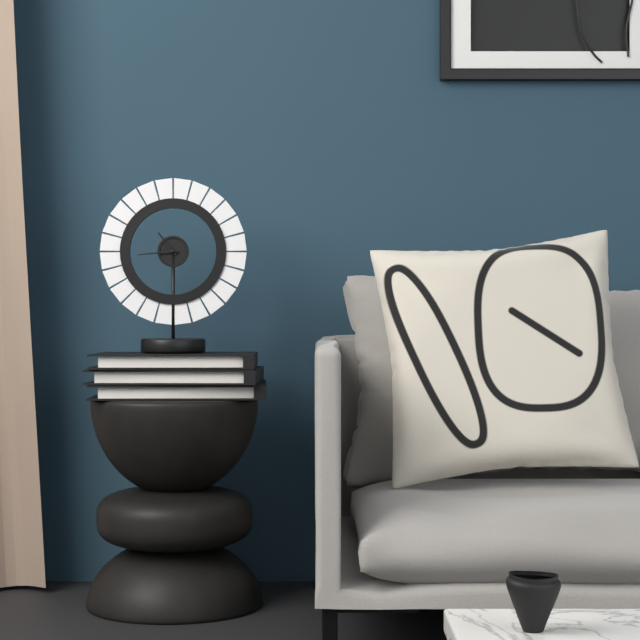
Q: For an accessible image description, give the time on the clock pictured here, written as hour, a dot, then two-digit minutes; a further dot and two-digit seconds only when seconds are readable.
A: 10.44
